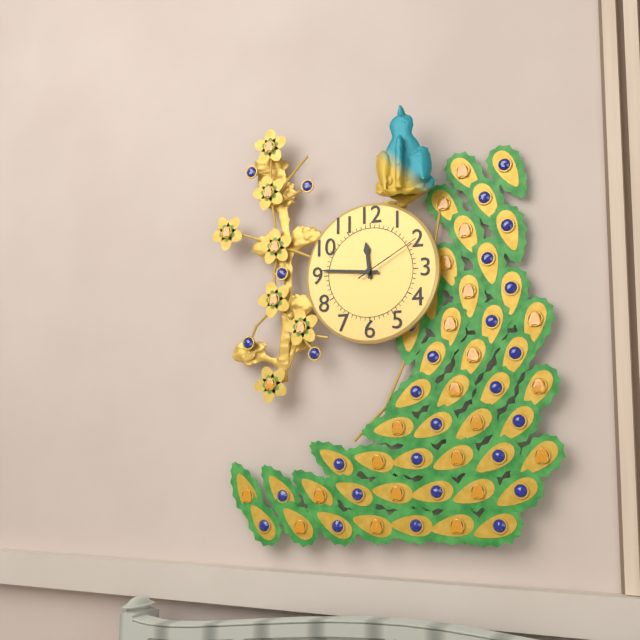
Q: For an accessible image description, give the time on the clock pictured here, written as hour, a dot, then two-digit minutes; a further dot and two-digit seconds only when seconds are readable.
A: 11.46.10
